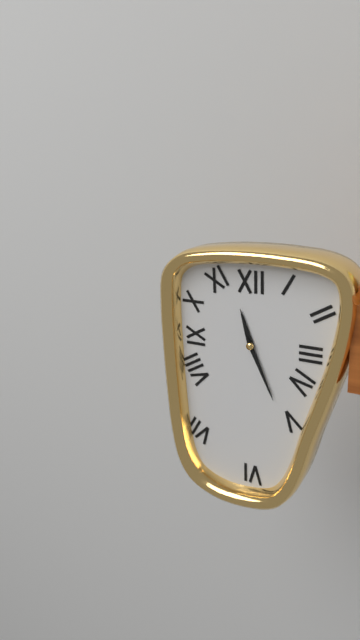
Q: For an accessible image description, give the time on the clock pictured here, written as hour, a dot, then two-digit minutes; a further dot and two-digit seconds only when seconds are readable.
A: 11.26
